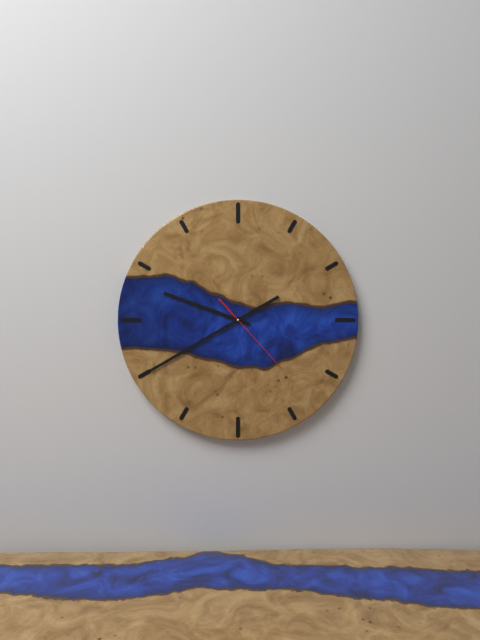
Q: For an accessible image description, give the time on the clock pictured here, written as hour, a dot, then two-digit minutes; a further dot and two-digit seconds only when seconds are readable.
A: 9.40.23
